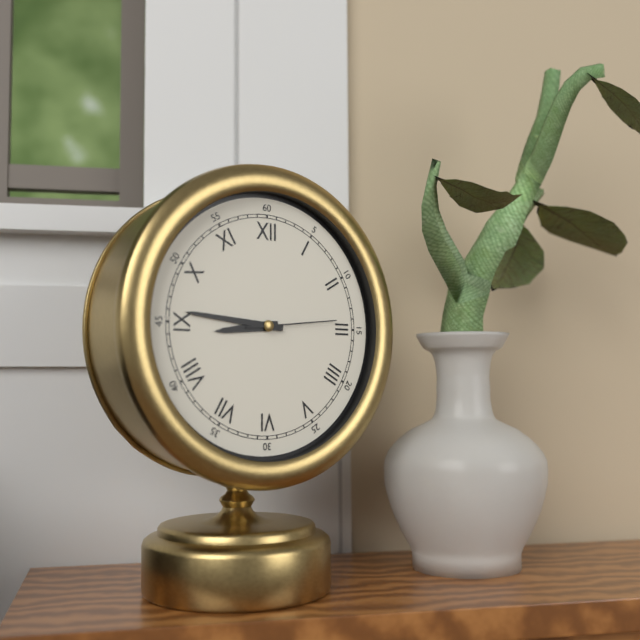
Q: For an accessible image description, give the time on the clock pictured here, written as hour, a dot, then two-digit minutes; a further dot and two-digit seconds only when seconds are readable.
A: 8.46.14
